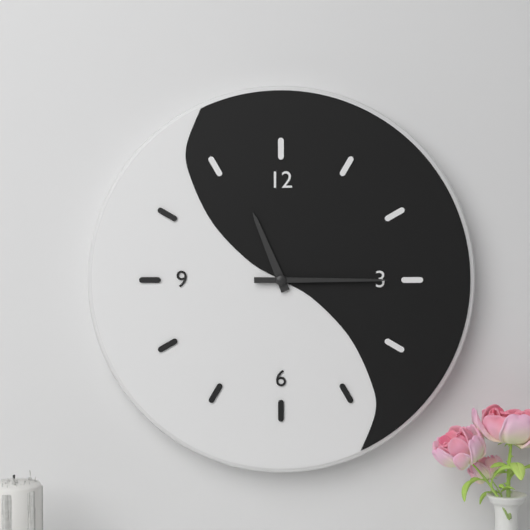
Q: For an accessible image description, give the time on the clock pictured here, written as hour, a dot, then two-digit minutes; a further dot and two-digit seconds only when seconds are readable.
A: 11.15
